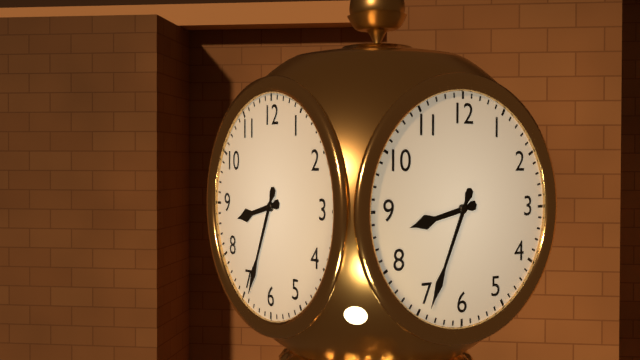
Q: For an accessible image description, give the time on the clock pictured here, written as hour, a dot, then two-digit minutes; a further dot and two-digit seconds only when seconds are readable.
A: 8.34
